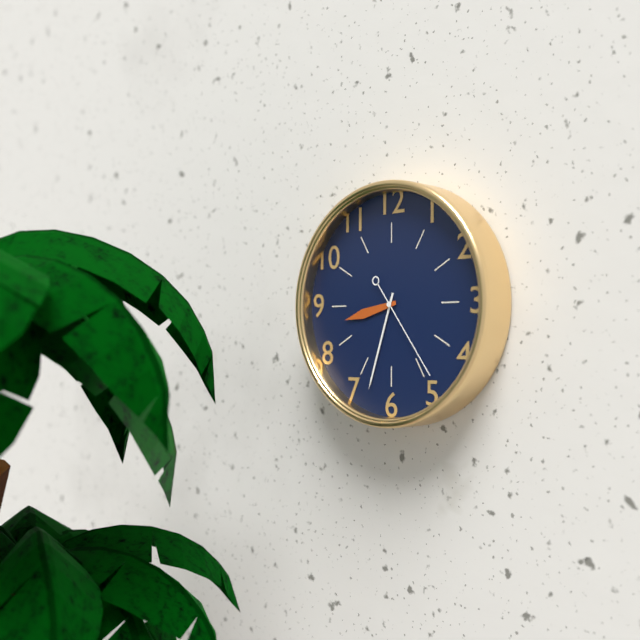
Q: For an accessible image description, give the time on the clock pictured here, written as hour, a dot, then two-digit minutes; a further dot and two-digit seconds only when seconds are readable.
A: 8.33.24
